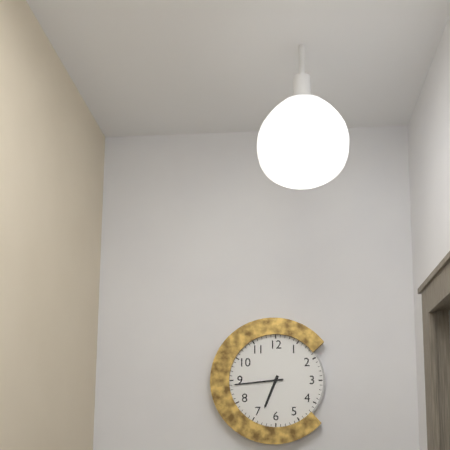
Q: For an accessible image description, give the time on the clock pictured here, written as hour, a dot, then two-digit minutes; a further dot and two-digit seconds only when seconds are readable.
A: 6.44
